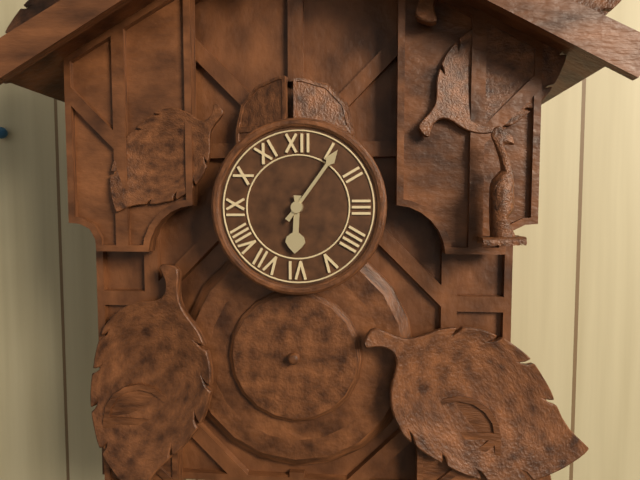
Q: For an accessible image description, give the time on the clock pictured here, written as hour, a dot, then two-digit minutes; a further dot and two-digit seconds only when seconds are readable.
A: 6.06
